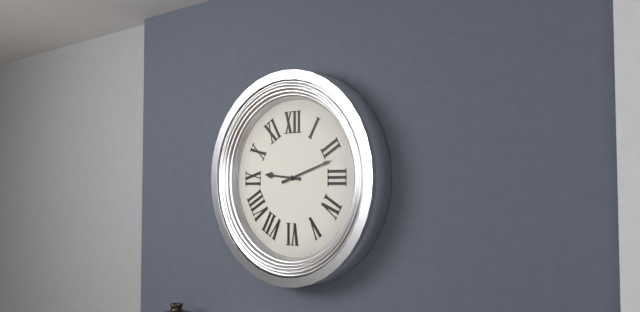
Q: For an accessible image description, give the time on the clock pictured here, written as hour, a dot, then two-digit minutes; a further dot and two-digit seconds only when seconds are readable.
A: 9.12
